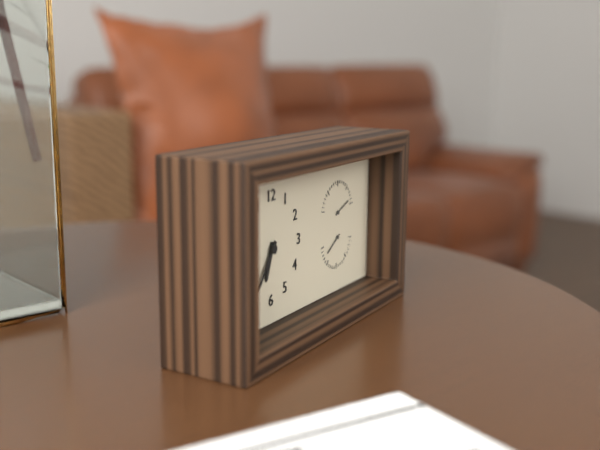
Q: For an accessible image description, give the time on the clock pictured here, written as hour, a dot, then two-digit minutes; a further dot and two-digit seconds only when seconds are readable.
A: 6.36
